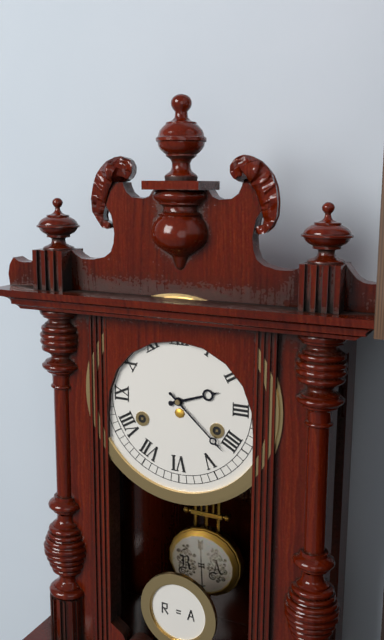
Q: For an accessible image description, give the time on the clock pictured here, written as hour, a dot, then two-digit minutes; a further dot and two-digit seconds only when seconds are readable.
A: 2.22
